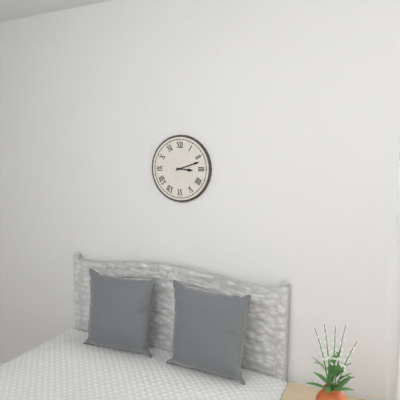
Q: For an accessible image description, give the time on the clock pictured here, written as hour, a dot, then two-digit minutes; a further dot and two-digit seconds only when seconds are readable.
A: 3.12
